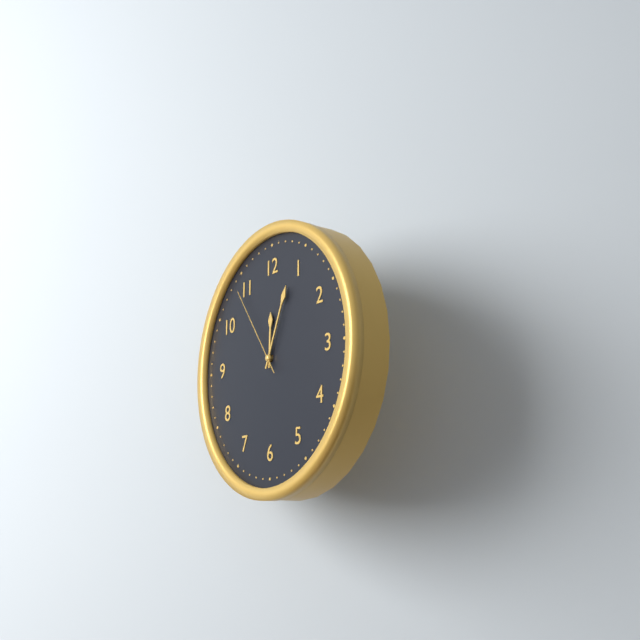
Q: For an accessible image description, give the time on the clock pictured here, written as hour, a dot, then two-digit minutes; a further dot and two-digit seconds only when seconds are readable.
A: 12.04.54
